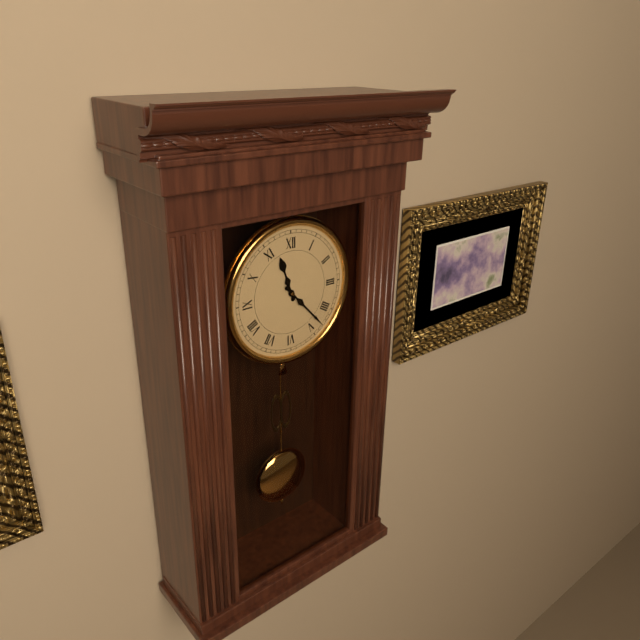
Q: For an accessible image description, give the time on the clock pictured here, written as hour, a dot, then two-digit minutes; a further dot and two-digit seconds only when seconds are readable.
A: 11.23
